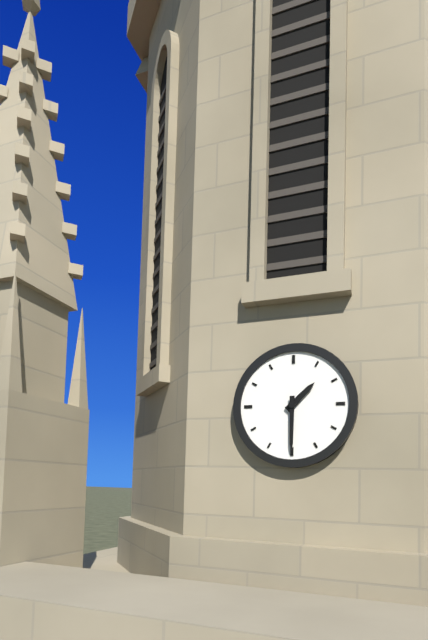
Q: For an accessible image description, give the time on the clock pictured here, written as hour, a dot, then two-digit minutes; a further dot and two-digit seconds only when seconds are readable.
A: 1.30
